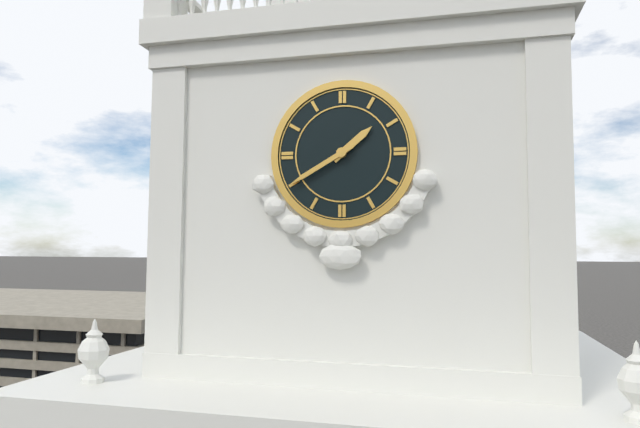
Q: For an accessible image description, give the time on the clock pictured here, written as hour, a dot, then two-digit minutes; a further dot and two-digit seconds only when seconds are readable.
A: 1.40
